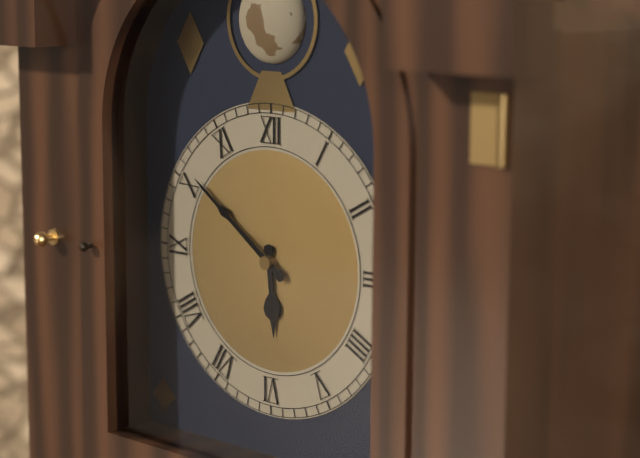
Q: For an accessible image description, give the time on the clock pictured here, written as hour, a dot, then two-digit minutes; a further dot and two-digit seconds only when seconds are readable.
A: 5.51
